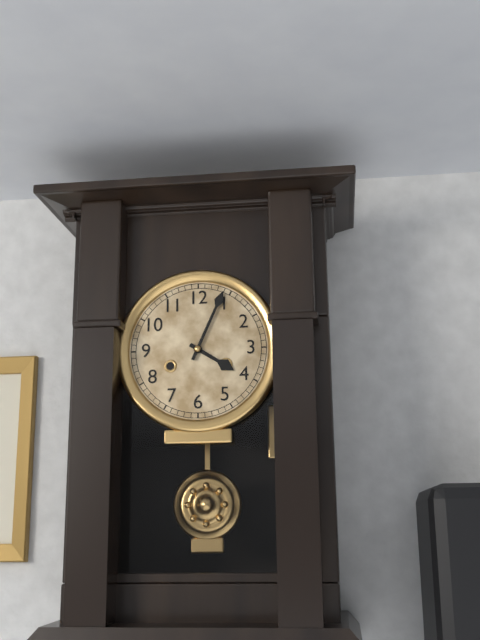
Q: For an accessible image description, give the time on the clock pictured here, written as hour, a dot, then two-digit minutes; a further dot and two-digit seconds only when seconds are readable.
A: 4.04
